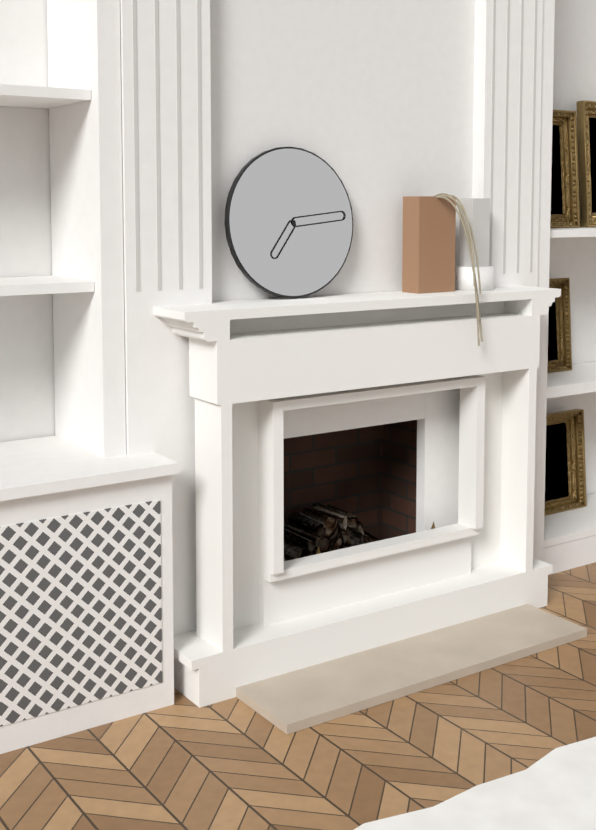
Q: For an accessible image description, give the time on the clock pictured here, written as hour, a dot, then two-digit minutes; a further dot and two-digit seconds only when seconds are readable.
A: 7.14
